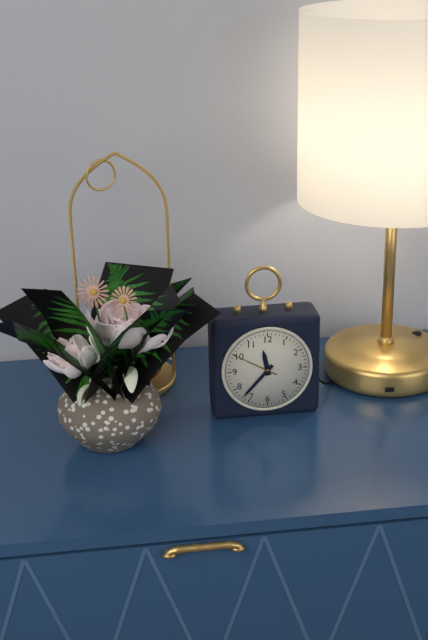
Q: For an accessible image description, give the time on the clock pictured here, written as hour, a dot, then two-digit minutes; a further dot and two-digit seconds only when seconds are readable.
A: 11.37
